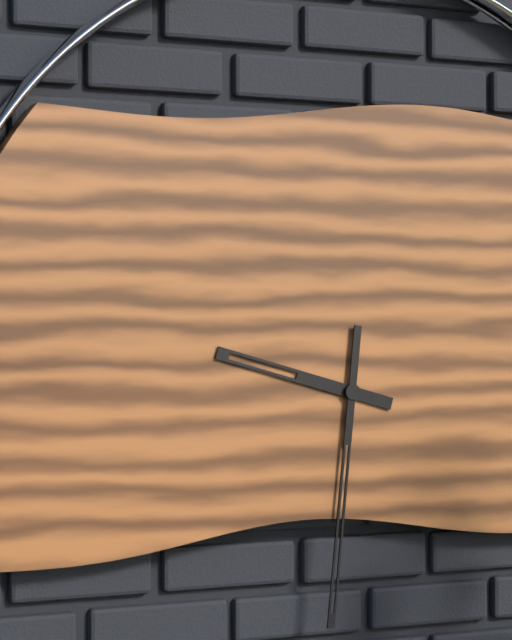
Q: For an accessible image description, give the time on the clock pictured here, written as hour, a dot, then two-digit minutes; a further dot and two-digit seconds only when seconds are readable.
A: 9.31
